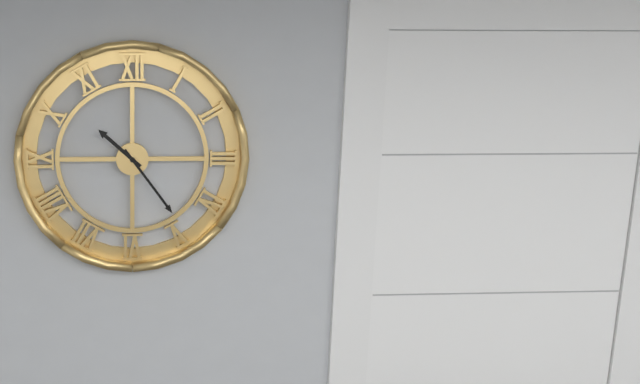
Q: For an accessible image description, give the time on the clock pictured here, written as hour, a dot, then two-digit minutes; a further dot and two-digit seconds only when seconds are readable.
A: 10.24
